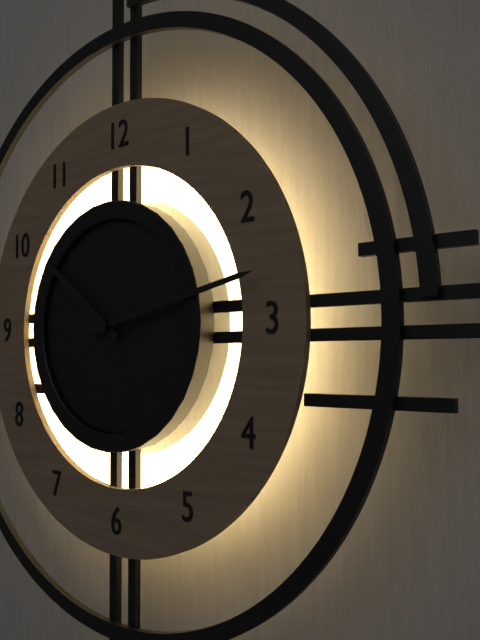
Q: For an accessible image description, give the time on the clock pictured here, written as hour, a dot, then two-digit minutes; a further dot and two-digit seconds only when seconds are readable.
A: 10.13
